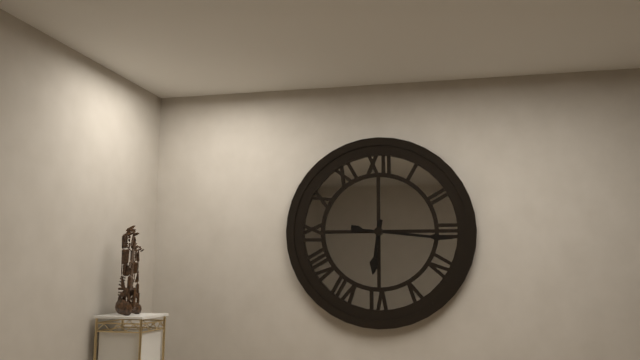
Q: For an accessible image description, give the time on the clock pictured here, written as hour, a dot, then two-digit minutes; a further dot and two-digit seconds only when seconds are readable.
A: 6.16
